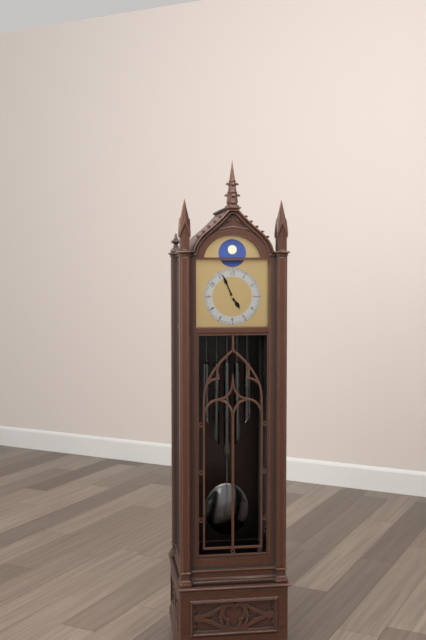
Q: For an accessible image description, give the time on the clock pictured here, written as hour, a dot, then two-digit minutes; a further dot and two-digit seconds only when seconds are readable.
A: 4.56
